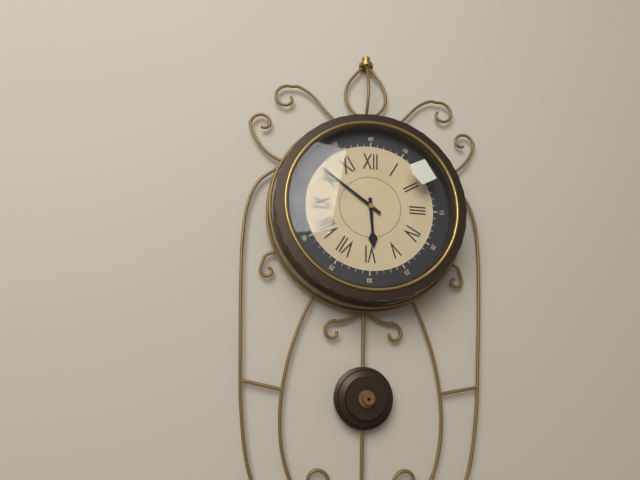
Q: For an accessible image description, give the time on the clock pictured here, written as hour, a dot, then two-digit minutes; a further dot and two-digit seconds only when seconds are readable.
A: 5.51
